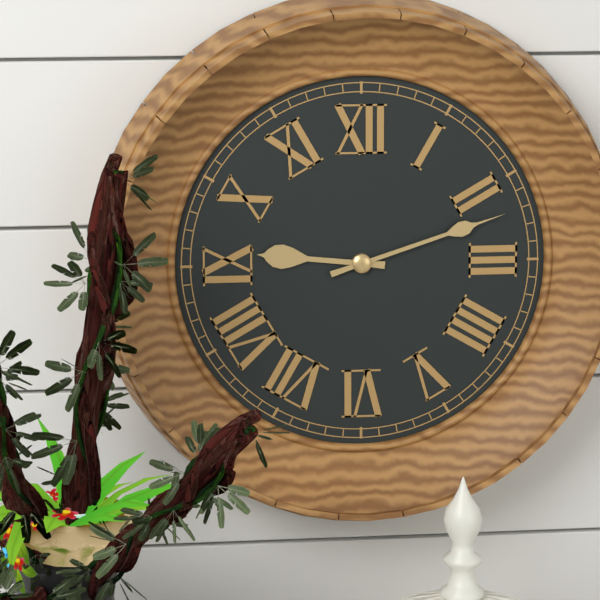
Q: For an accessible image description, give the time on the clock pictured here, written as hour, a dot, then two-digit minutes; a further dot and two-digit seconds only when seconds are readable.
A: 9.12
